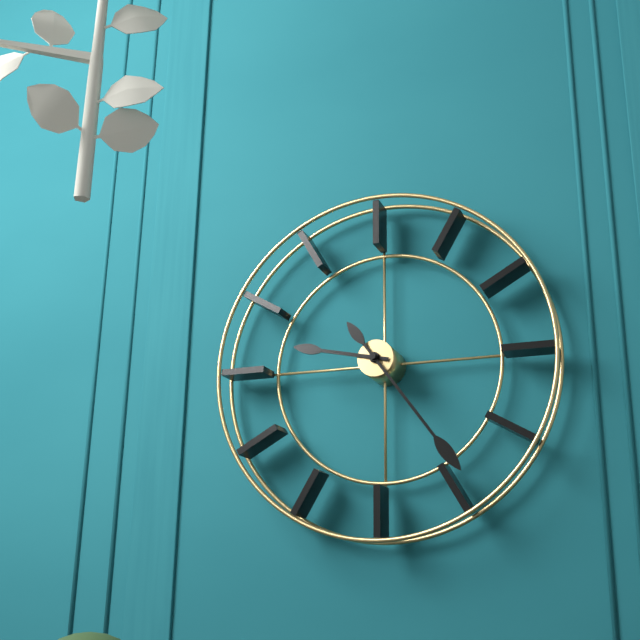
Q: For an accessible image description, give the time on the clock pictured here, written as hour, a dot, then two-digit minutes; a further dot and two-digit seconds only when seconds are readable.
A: 9.24
